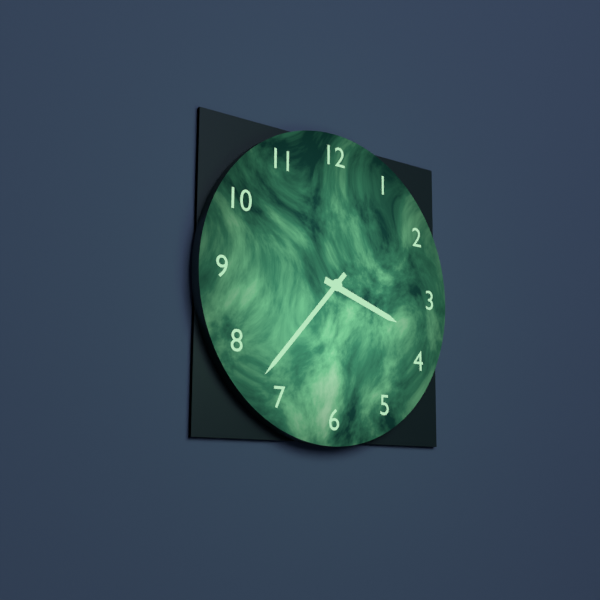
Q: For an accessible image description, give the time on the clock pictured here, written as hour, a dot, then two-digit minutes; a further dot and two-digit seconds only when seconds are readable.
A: 3.37
